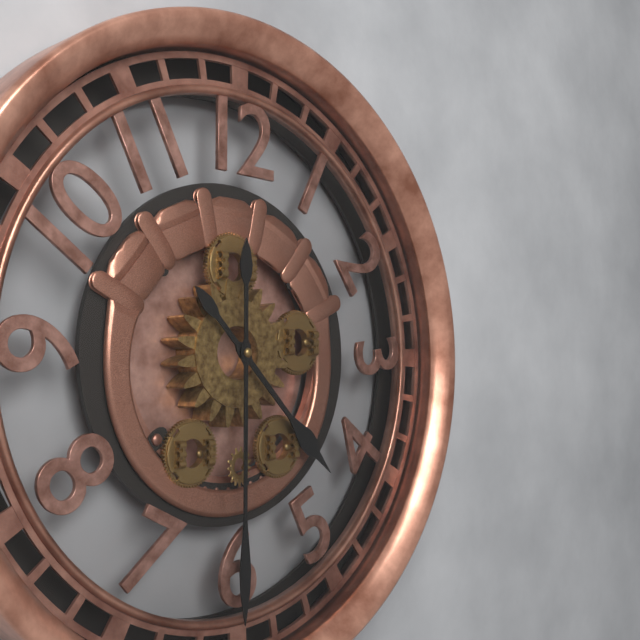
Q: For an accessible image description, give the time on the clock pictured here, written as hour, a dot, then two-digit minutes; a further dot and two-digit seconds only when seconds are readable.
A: 4.30
